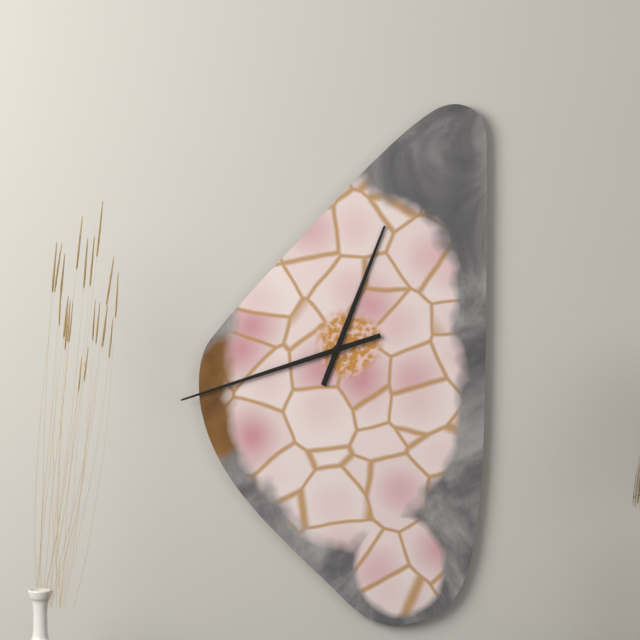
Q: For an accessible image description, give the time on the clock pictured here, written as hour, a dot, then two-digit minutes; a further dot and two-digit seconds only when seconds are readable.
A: 12.42
